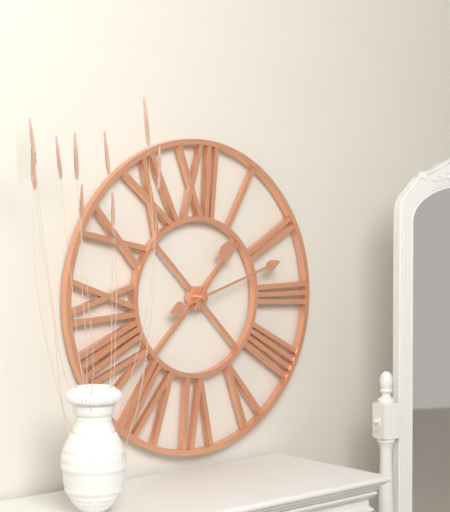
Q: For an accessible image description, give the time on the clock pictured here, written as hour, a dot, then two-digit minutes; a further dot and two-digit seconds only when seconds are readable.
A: 1.12
